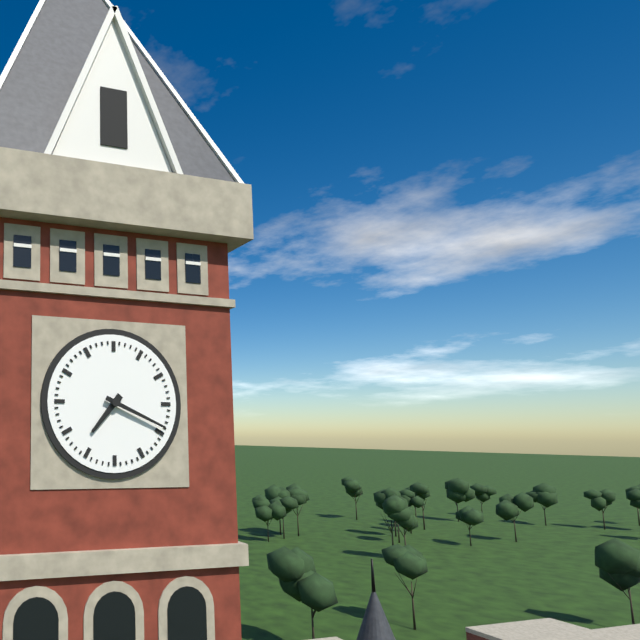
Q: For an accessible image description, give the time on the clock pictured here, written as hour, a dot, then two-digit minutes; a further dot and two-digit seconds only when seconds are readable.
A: 7.19
